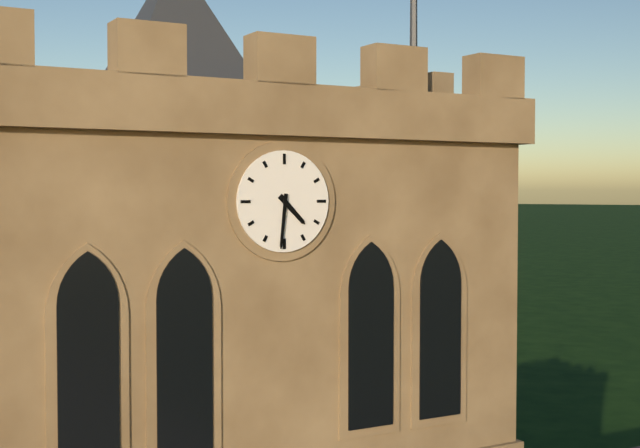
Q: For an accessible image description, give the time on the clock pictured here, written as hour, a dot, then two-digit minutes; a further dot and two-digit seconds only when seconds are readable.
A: 4.31
